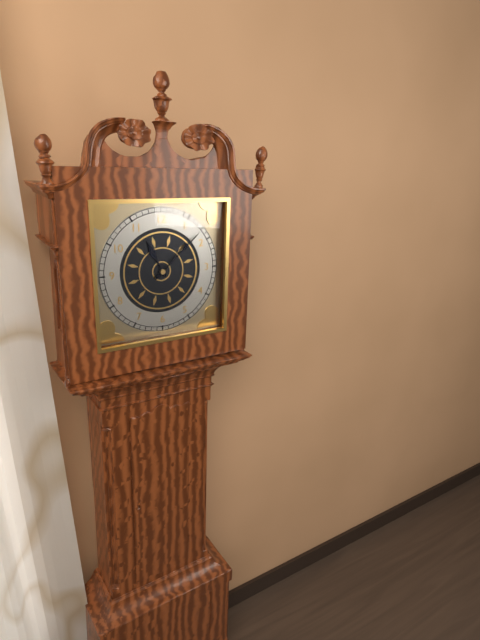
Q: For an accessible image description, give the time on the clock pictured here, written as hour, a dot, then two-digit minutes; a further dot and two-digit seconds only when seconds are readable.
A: 11.08
